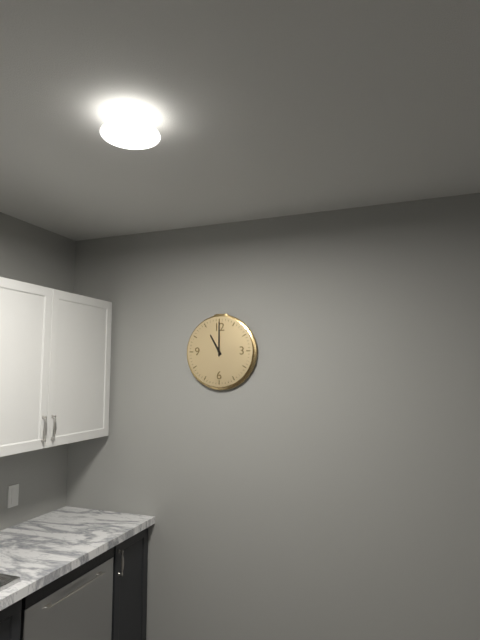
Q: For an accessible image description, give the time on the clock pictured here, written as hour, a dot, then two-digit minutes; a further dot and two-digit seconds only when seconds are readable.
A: 11.00
